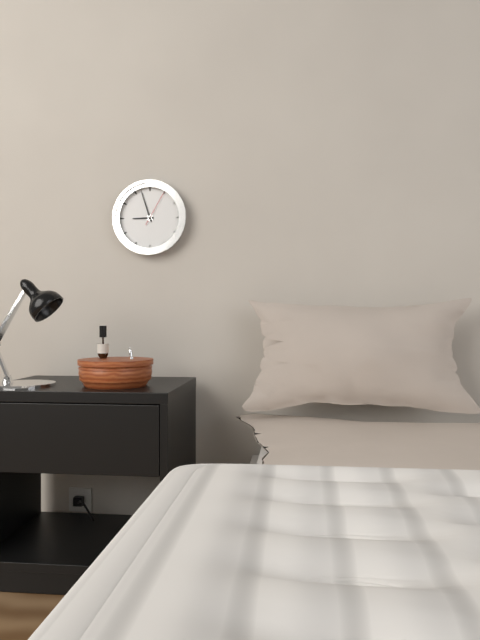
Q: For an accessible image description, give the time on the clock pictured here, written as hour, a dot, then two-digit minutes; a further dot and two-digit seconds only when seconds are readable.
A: 8.57
